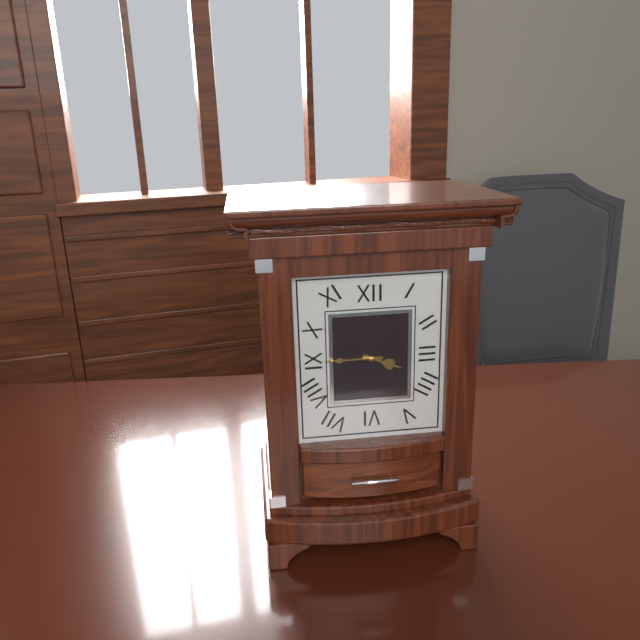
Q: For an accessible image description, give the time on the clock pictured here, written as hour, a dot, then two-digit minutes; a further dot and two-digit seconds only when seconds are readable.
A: 3.45
